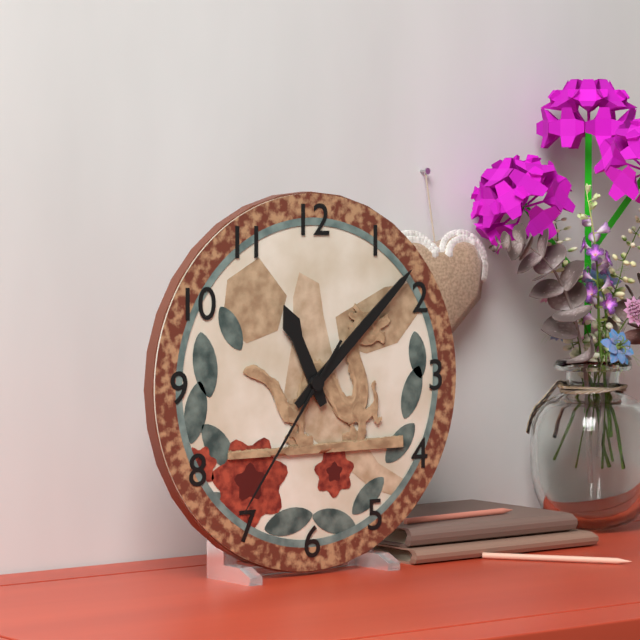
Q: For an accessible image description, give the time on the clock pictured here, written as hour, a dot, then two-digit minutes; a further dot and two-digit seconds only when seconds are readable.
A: 11.08.36
